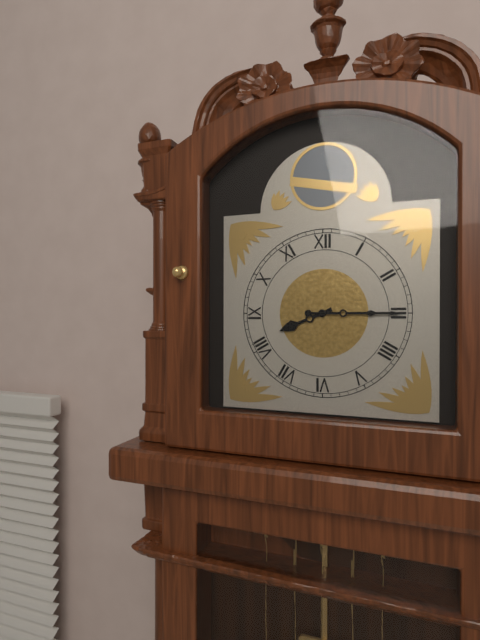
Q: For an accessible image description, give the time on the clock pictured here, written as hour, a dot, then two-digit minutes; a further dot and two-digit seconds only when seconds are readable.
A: 8.15
